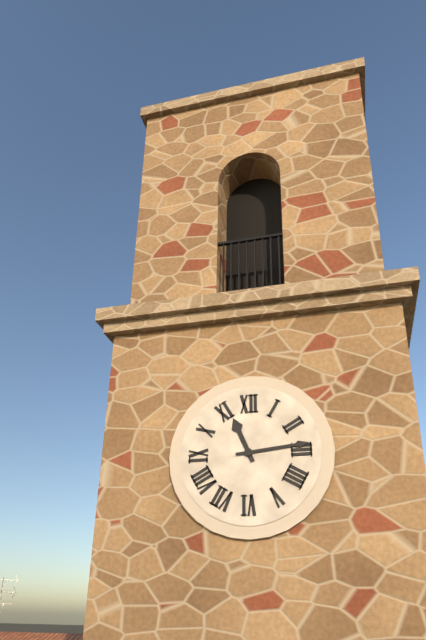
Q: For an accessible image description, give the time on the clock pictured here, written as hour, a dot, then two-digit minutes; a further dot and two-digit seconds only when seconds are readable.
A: 11.14
